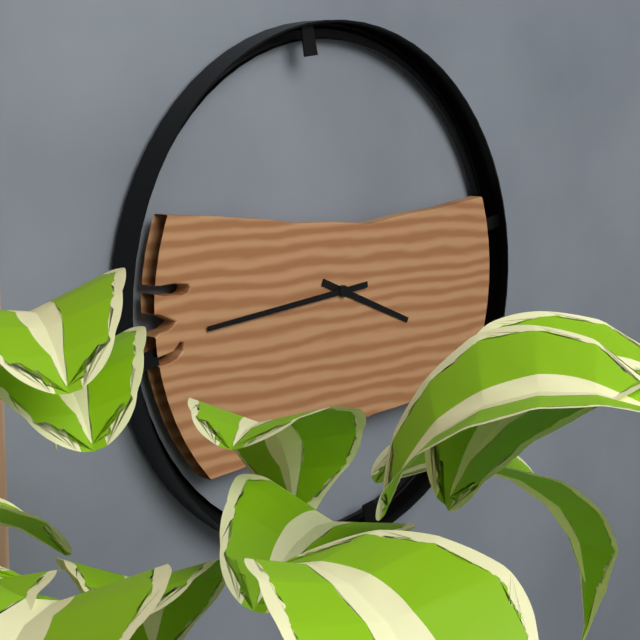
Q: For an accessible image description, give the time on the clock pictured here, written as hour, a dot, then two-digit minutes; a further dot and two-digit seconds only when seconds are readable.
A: 3.44
